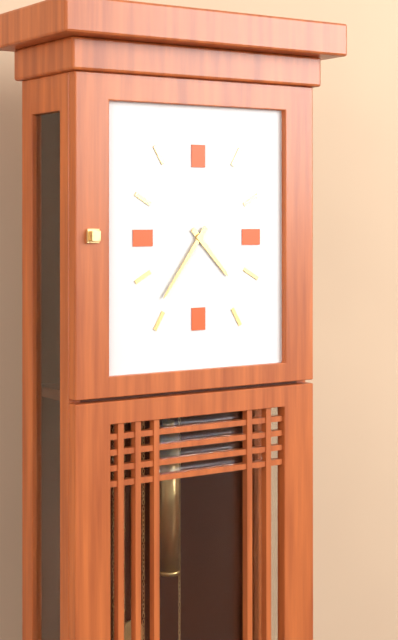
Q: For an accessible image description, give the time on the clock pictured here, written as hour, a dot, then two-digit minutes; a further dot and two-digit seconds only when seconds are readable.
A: 4.36
